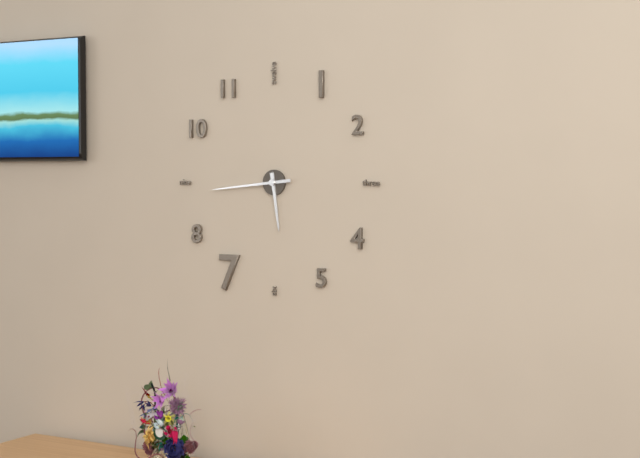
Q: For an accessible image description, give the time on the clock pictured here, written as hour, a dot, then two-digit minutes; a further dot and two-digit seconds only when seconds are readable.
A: 5.44
